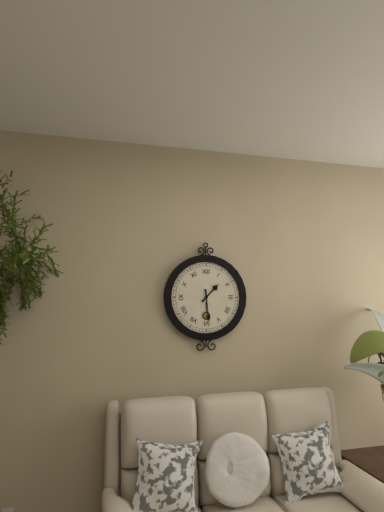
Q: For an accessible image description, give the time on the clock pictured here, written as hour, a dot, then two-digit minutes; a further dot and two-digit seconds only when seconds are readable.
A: 1.29
